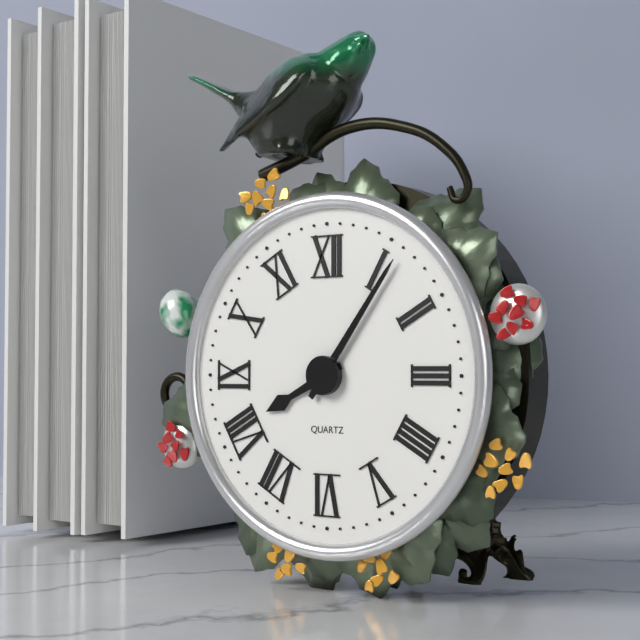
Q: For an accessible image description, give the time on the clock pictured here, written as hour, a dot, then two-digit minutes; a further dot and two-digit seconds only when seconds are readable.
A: 8.06
